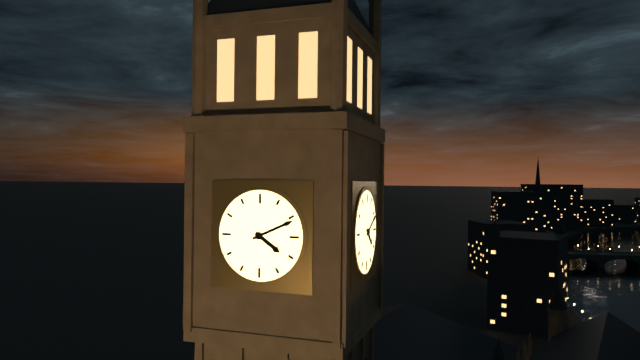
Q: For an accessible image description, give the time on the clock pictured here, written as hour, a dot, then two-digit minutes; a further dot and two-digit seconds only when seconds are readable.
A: 4.11
